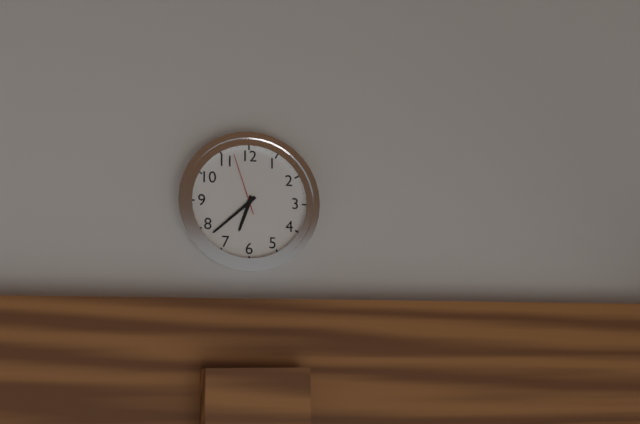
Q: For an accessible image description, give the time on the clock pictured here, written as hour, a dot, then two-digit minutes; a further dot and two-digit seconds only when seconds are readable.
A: 6.38.57
